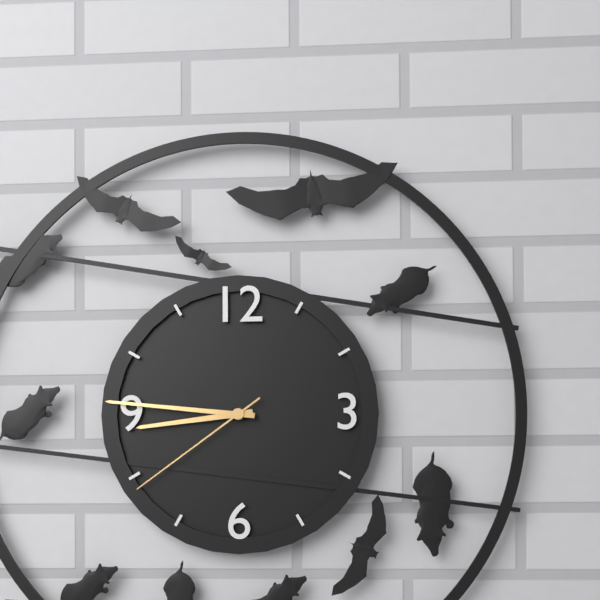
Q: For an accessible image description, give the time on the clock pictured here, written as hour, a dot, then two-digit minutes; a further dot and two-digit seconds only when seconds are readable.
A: 8.46.39
